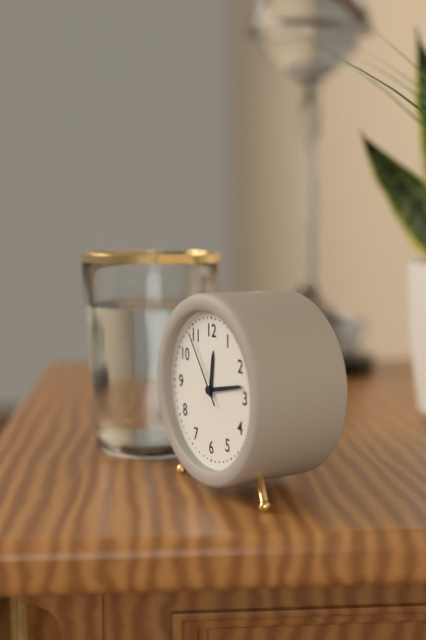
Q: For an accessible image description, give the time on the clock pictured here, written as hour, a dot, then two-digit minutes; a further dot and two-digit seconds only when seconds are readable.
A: 12.13.54
